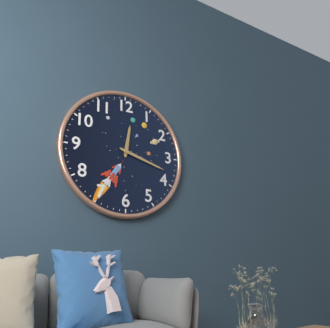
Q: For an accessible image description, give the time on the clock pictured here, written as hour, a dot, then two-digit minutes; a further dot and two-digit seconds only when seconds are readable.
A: 12.18
